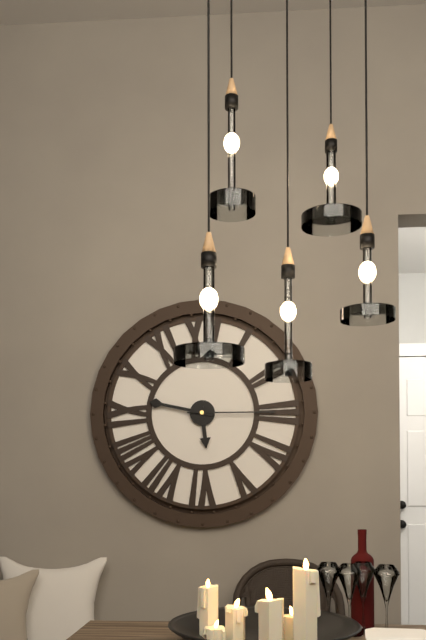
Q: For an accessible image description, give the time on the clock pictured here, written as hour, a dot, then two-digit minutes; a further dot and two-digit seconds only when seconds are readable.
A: 5.47.15
